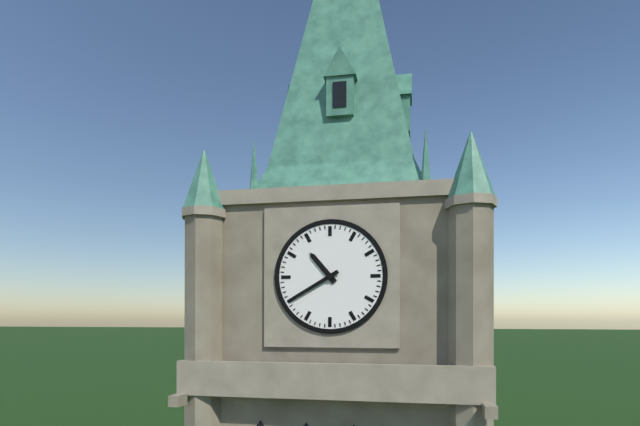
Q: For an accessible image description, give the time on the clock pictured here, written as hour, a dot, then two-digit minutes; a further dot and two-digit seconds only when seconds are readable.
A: 10.40
